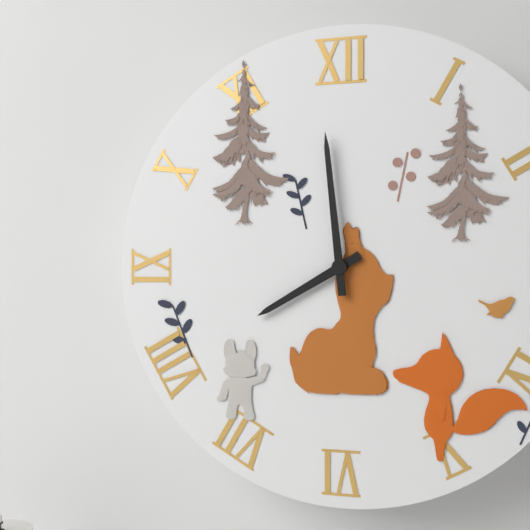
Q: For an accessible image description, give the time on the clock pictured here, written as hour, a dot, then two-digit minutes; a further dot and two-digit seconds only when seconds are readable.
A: 7.59
